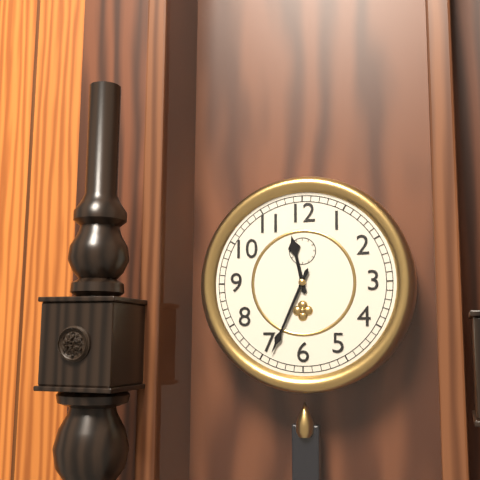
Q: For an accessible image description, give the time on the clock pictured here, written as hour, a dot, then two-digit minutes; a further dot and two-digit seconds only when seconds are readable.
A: 11.34
